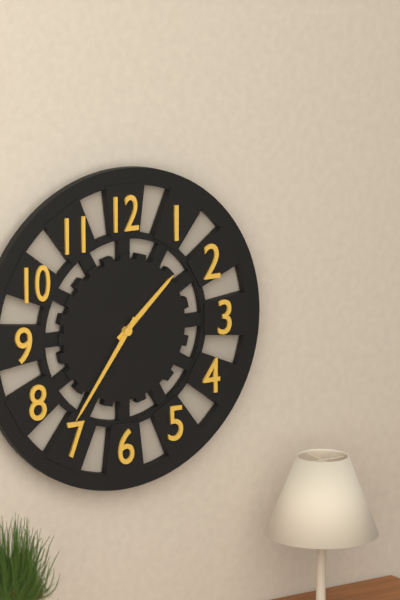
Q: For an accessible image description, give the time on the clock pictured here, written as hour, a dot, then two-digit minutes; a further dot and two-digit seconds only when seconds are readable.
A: 1.36
